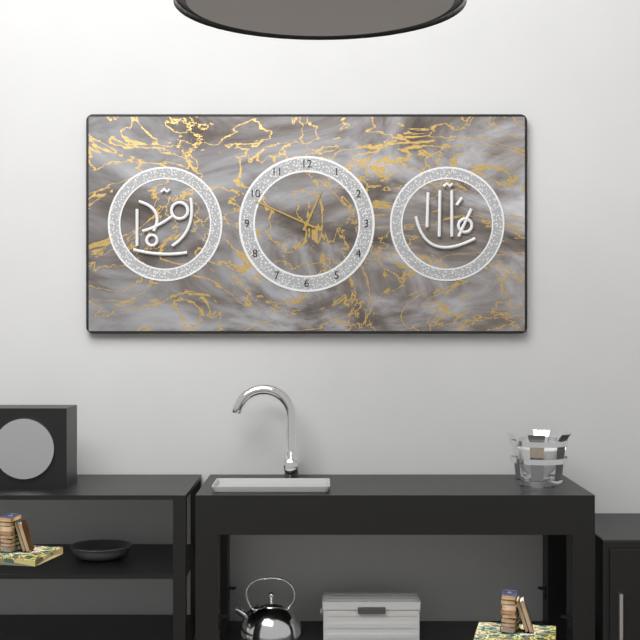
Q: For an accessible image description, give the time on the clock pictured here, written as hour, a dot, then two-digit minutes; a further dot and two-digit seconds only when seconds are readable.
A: 12.49
